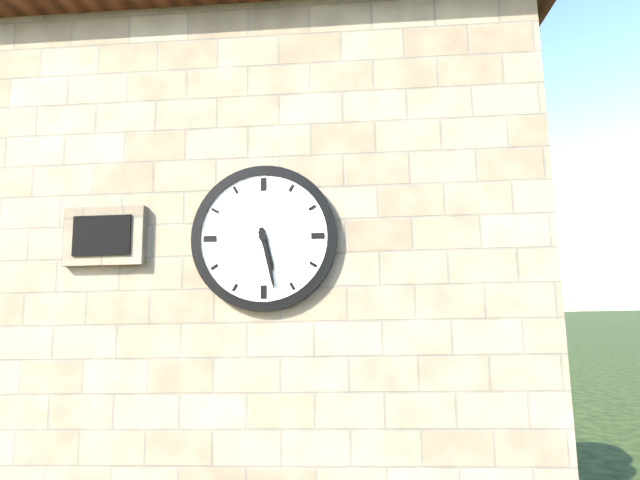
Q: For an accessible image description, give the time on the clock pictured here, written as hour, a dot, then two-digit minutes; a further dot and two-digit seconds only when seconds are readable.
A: 5.28
